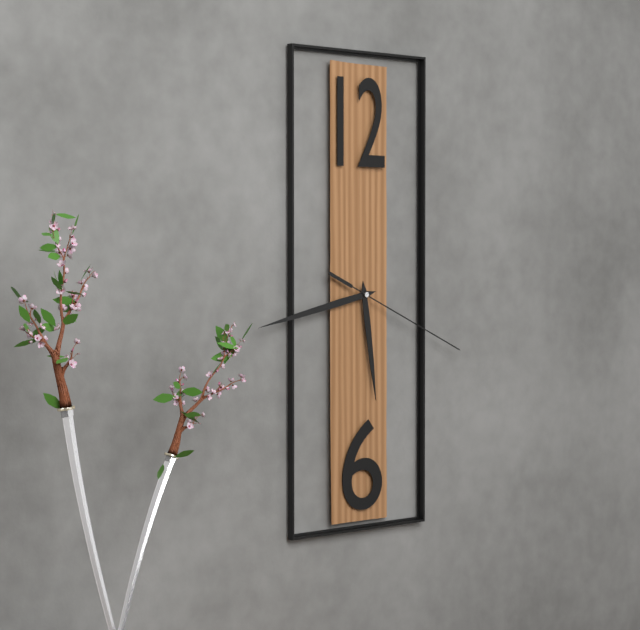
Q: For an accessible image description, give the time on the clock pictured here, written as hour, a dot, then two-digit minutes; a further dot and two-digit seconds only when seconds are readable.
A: 5.43.19
